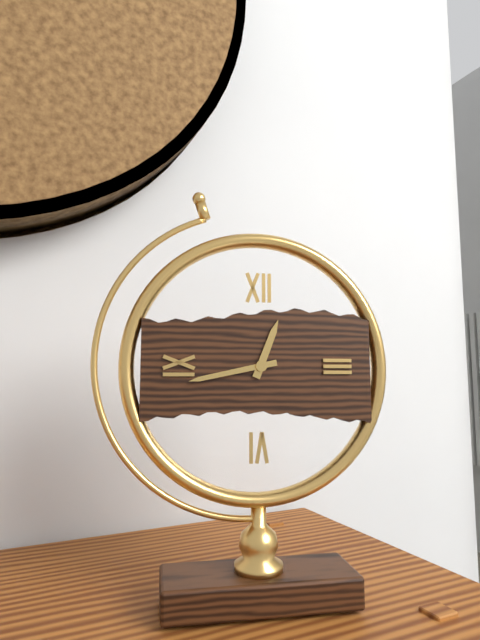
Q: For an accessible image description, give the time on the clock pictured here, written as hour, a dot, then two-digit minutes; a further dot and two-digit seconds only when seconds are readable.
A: 12.43
